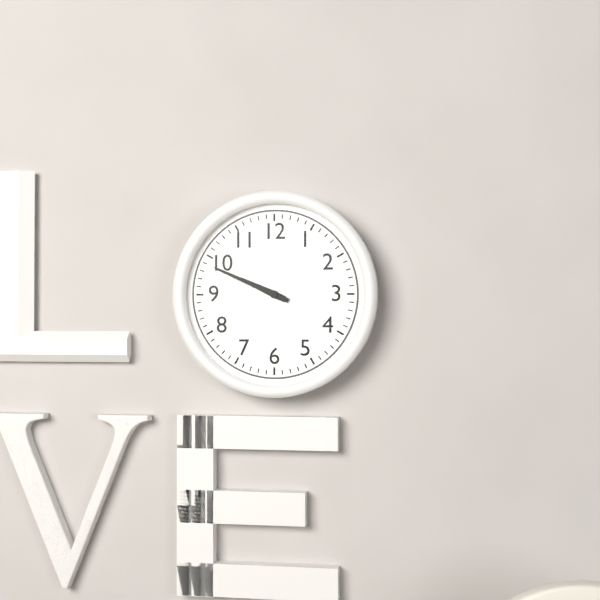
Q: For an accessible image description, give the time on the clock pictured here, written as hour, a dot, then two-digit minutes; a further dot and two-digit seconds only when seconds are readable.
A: 9.49
